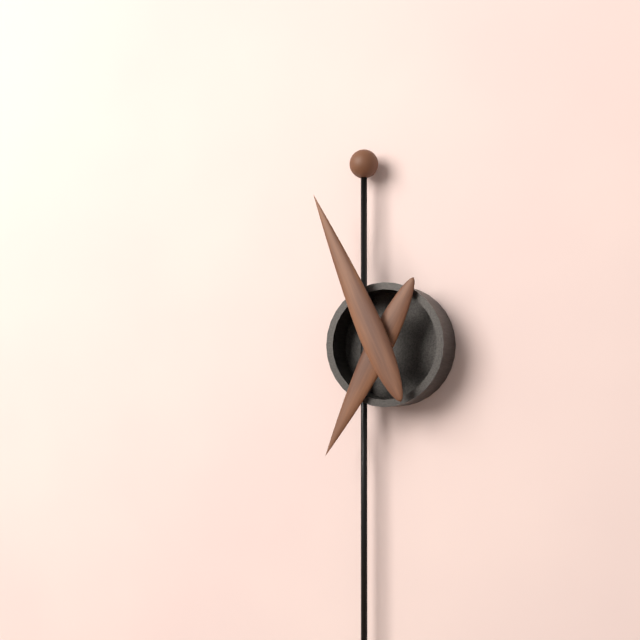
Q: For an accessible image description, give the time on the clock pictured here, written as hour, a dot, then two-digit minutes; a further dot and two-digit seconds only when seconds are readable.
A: 6.56
